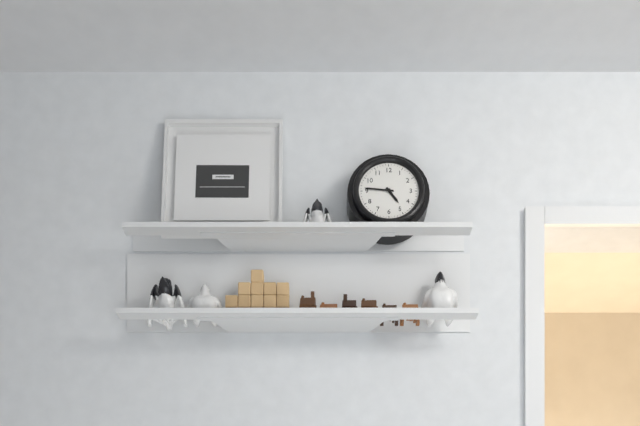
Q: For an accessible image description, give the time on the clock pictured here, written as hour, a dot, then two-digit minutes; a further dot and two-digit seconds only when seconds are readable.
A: 4.46
